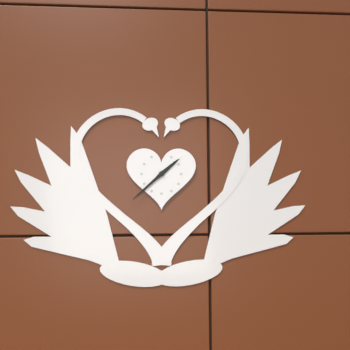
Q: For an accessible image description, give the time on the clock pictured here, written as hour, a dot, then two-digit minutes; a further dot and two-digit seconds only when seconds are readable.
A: 1.38
